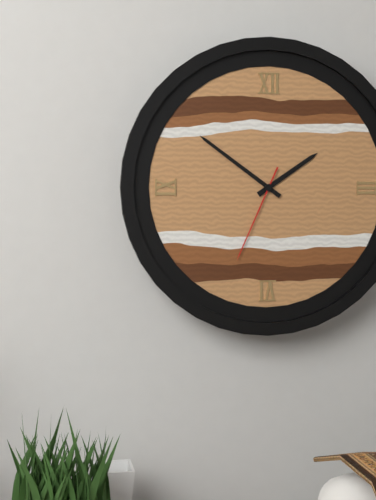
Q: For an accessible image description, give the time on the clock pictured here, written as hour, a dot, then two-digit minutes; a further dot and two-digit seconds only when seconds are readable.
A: 1.51.34
